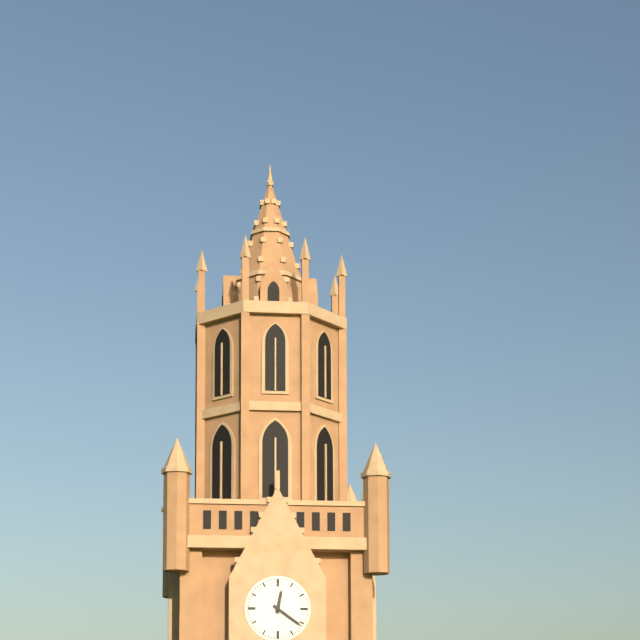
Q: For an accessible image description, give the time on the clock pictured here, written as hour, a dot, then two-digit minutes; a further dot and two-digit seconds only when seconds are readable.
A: 12.21
